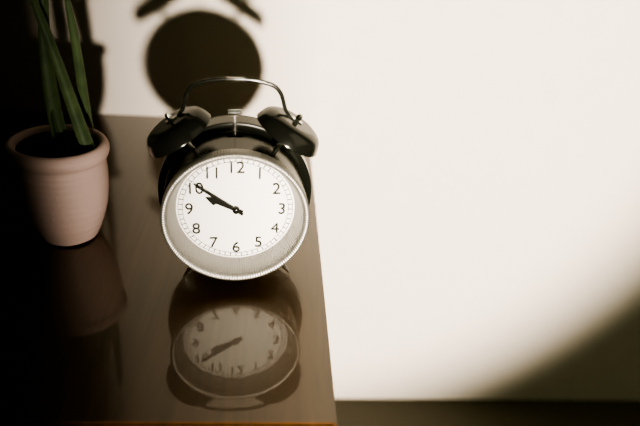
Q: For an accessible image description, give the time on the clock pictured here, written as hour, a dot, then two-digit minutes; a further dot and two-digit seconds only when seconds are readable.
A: 9.51
